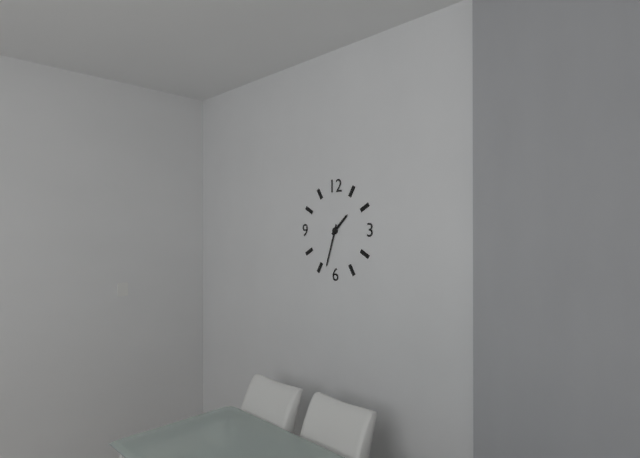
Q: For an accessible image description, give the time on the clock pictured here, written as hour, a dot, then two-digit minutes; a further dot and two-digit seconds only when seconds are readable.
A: 1.33
